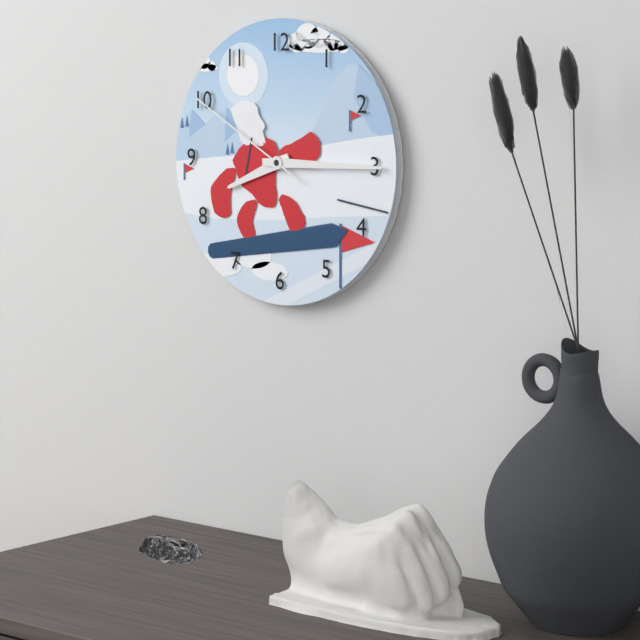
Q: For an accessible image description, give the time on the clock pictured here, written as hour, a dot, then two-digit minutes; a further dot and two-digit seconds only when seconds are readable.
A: 8.15.50
